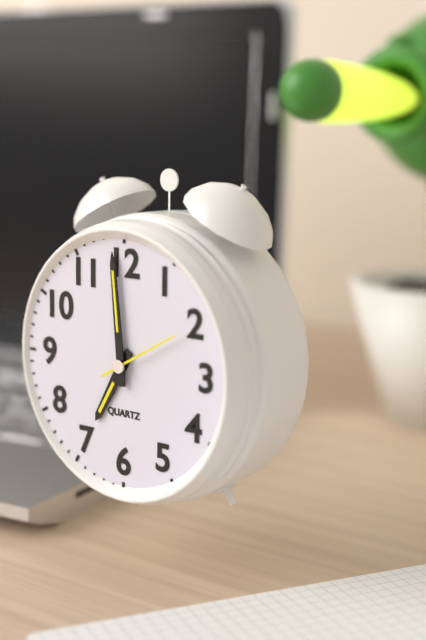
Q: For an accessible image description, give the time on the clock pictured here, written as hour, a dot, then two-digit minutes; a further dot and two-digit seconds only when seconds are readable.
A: 6.59.10
